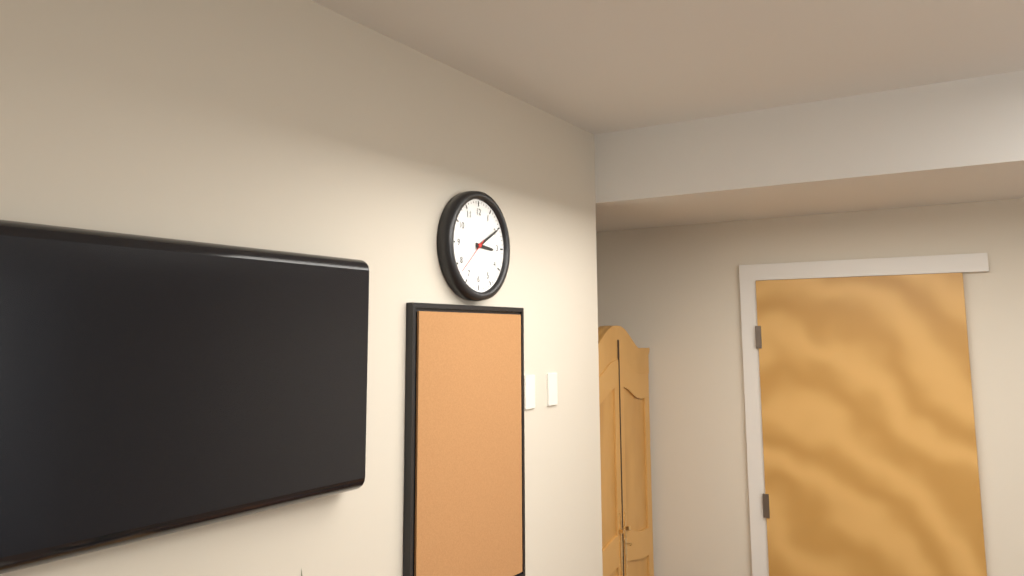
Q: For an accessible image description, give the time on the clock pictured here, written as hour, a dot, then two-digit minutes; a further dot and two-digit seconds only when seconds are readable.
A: 3.10
